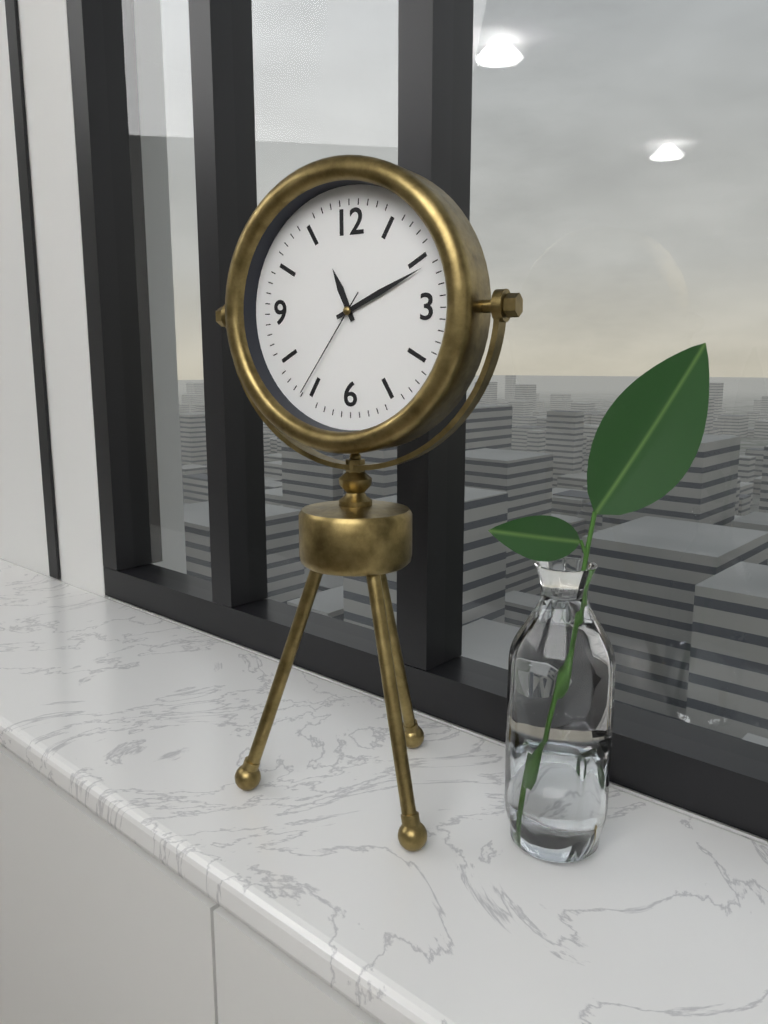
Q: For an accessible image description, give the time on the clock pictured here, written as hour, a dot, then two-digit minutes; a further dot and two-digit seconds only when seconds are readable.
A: 11.11.36
